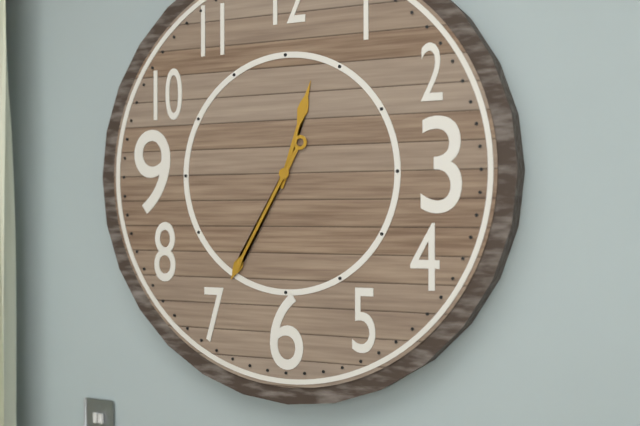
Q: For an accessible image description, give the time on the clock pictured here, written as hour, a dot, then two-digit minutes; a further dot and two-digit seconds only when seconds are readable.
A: 12.35
